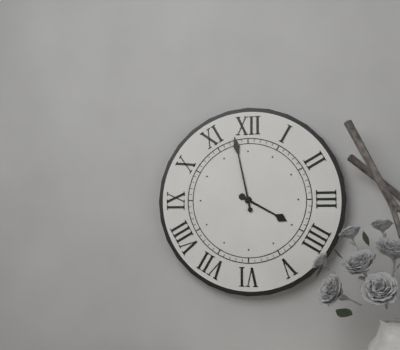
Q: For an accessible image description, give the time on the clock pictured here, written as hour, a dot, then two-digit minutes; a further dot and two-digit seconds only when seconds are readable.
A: 3.58
